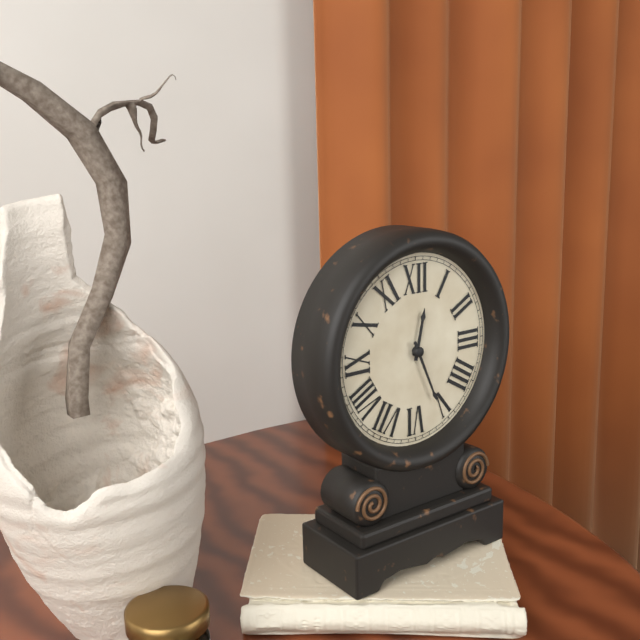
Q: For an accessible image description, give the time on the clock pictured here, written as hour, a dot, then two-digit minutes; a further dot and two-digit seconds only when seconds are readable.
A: 12.26
